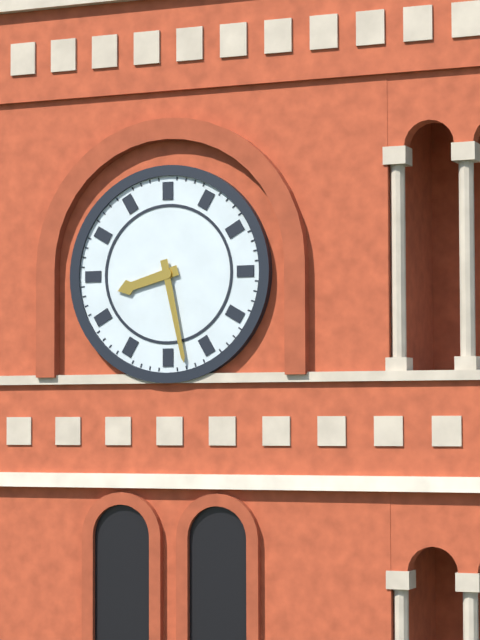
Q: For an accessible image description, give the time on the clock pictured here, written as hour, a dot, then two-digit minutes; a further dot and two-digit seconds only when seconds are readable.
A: 8.28
